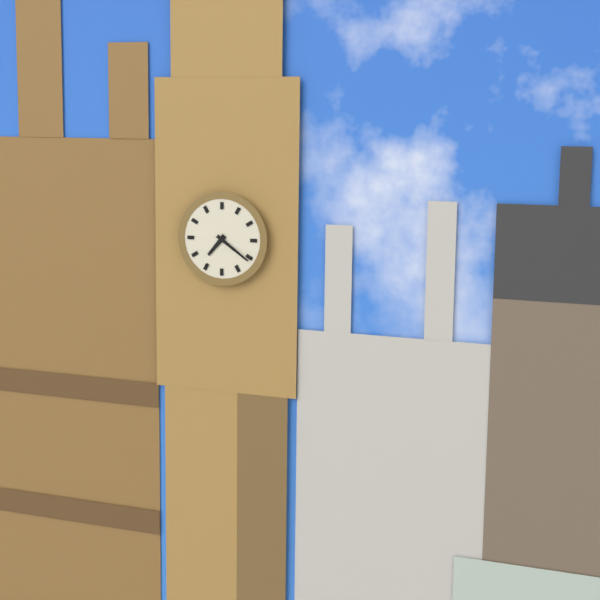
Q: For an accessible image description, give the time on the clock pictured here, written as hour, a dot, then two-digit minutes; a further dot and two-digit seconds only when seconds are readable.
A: 7.21
